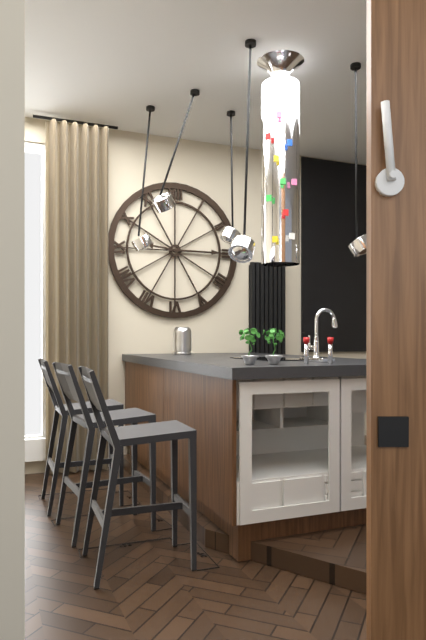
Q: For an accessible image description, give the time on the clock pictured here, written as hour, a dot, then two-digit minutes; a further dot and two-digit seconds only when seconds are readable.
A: 9.15
